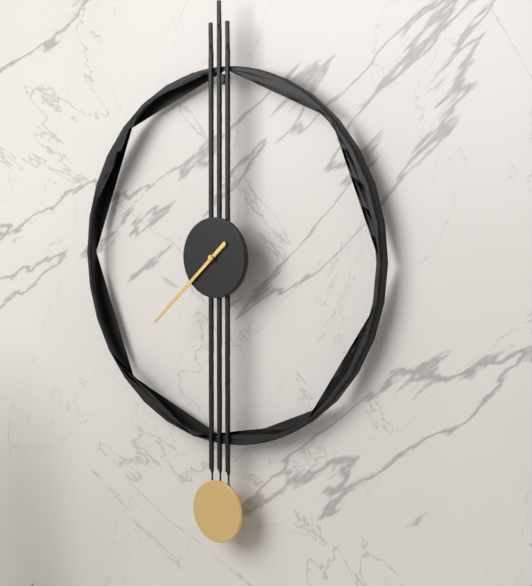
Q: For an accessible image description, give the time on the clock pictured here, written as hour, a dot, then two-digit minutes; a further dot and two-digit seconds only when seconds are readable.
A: 7.38
